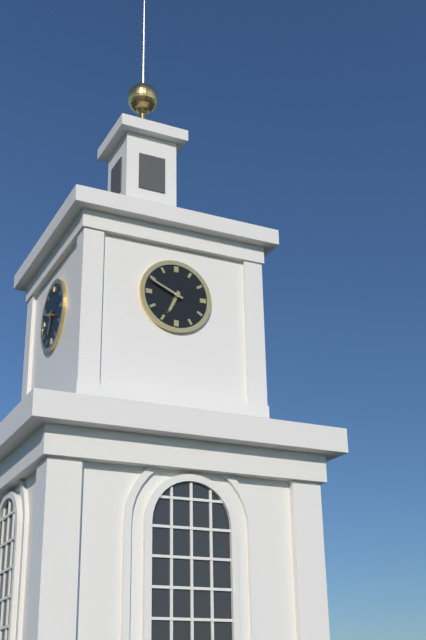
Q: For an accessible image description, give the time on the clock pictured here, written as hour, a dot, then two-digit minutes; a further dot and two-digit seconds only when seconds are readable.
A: 6.49
